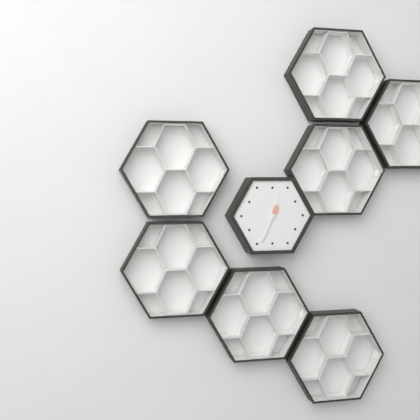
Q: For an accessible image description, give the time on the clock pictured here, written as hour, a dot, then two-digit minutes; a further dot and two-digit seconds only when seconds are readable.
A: 12.34
